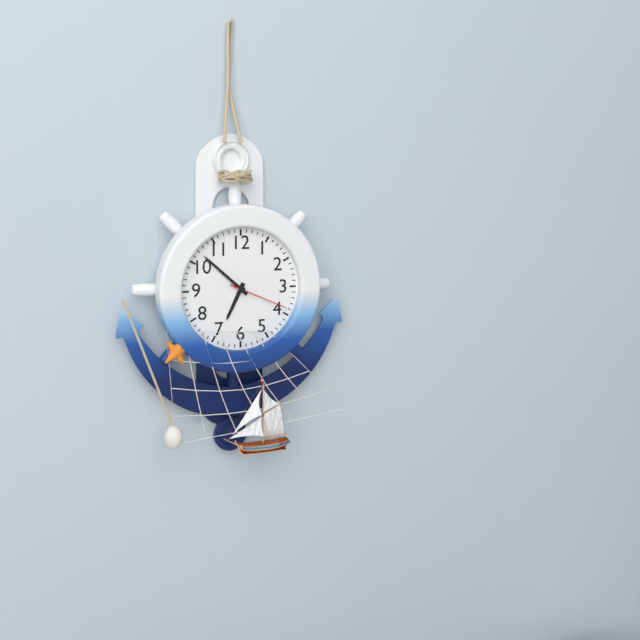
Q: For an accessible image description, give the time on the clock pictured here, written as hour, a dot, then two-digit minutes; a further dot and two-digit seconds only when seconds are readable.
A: 6.52.19
